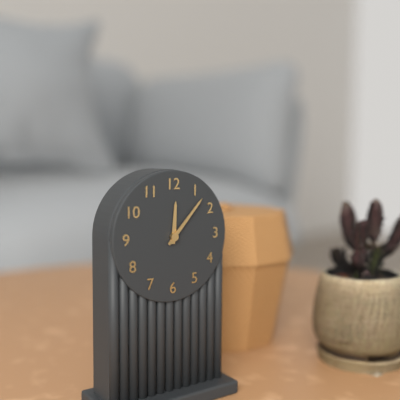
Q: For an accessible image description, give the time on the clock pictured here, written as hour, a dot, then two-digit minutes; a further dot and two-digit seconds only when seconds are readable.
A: 12.07
